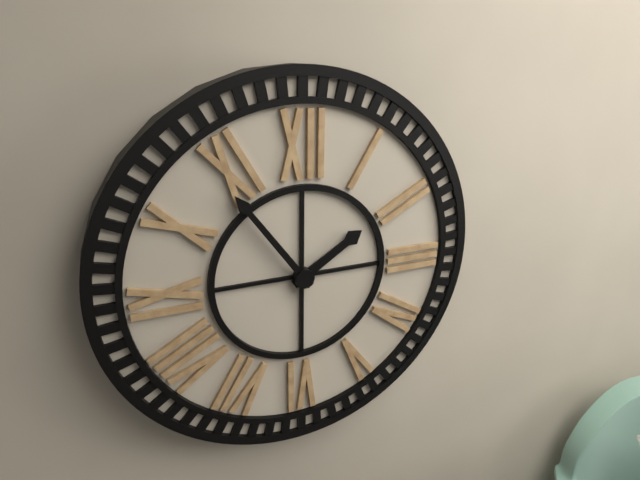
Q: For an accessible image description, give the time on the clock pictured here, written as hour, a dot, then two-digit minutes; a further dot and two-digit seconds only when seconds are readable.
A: 1.54
